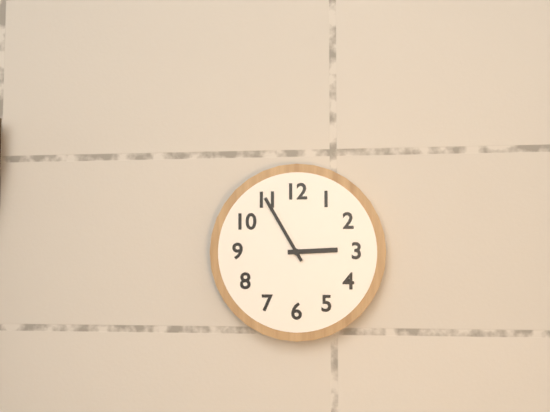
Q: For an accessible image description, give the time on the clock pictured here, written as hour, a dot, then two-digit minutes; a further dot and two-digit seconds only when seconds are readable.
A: 2.55
